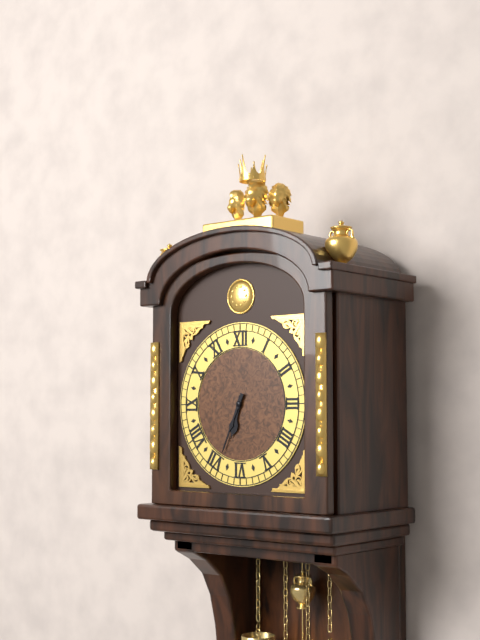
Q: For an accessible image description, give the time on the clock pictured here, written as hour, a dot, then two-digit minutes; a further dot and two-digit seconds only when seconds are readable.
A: 6.34
